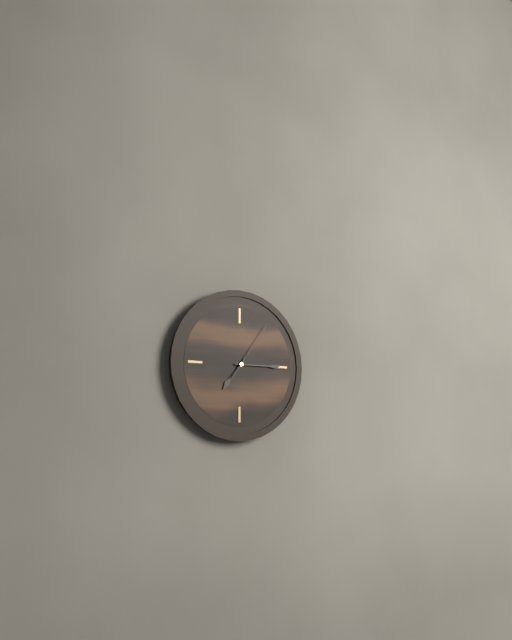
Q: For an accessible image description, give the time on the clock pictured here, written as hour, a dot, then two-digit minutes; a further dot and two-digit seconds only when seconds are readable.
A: 7.15.06
